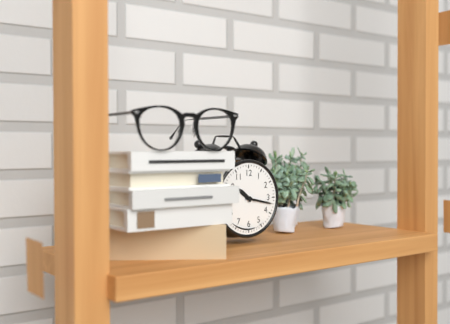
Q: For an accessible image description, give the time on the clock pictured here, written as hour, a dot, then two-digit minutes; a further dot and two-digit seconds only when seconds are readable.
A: 10.17
